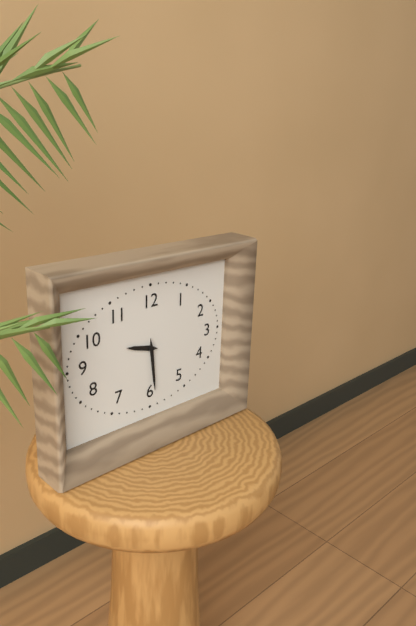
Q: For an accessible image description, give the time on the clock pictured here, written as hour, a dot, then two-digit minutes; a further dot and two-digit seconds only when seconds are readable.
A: 9.29
